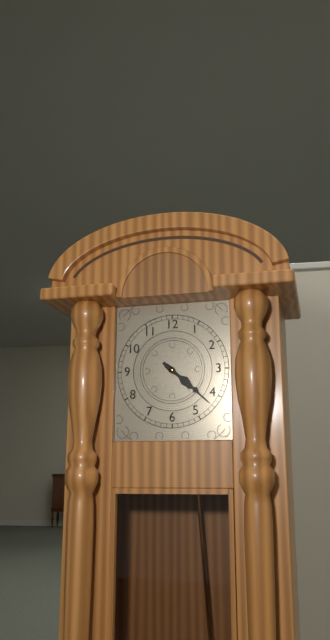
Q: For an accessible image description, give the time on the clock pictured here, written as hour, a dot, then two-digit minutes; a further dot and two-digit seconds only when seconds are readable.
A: 4.22
